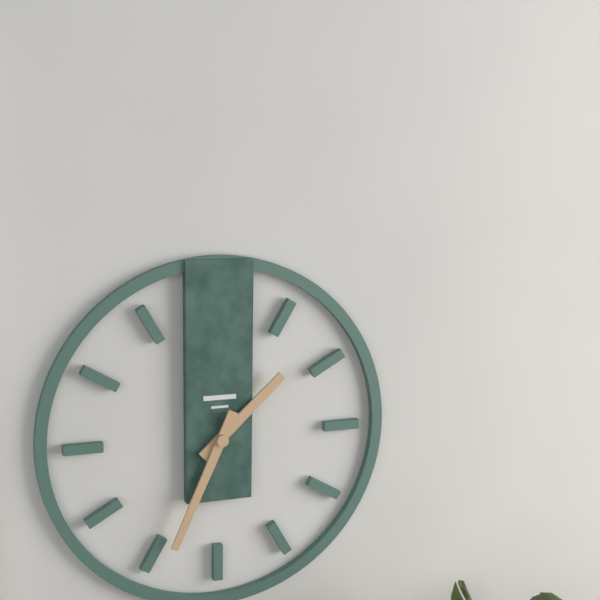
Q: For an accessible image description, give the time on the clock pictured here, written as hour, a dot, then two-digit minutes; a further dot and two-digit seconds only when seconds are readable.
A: 1.34
